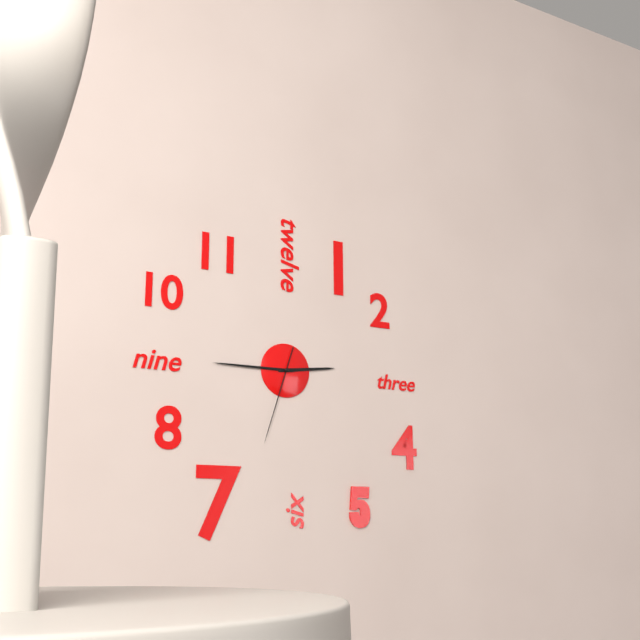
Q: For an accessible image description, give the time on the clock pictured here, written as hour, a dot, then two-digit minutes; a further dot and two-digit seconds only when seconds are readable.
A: 2.45.33
